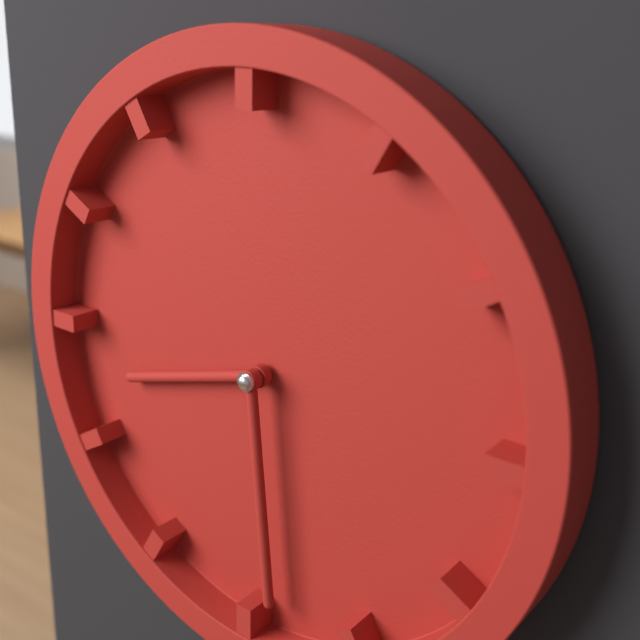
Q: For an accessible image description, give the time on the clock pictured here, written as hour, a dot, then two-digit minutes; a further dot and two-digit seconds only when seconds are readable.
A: 8.29
